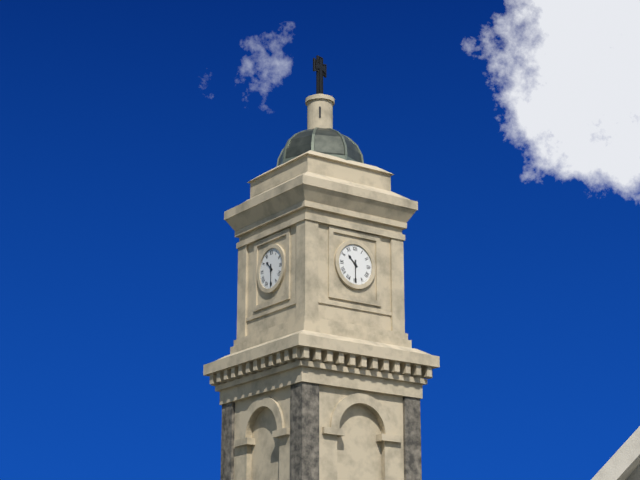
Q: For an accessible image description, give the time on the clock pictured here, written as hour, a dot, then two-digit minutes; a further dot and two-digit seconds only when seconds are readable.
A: 10.30
